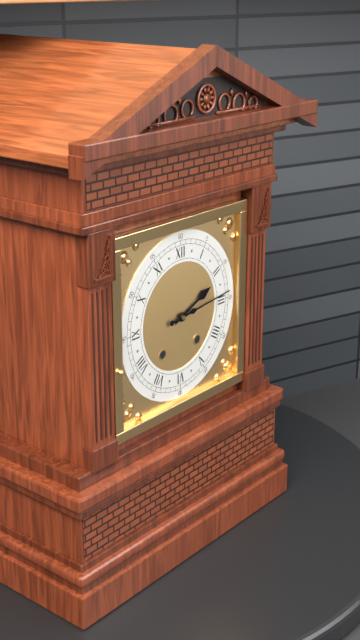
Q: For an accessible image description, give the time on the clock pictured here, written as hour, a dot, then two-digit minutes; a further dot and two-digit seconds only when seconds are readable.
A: 2.14
